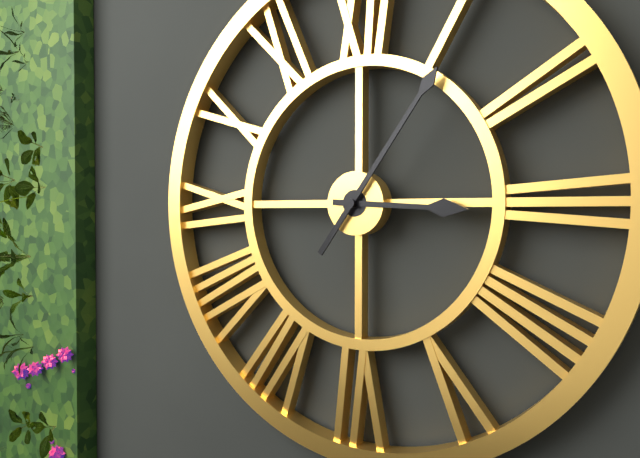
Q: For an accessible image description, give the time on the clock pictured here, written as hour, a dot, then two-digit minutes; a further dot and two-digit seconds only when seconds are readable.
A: 3.06
